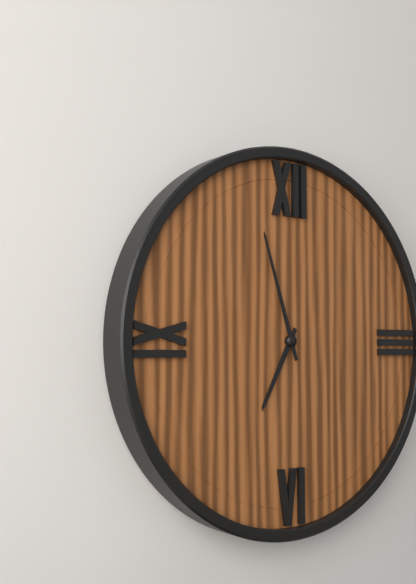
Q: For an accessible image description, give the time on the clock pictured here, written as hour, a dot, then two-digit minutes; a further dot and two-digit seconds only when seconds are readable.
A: 6.57
